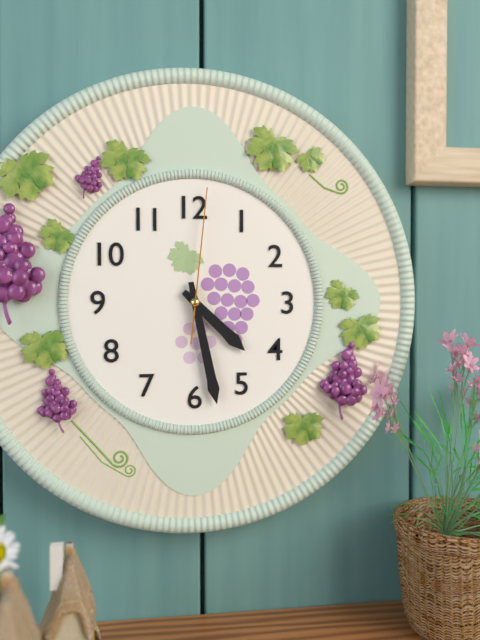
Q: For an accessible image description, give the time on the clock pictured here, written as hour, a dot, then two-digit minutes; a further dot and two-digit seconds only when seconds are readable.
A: 4.28.01
